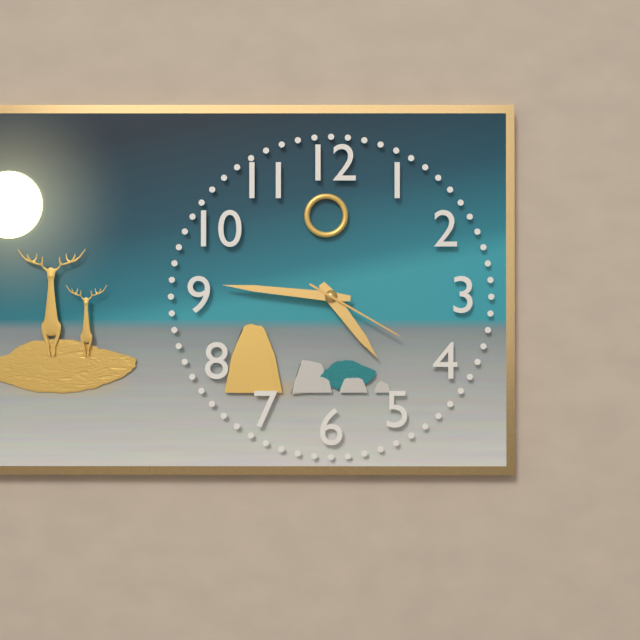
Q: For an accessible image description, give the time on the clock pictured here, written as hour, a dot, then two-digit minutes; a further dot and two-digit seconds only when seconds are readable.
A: 4.46.20
